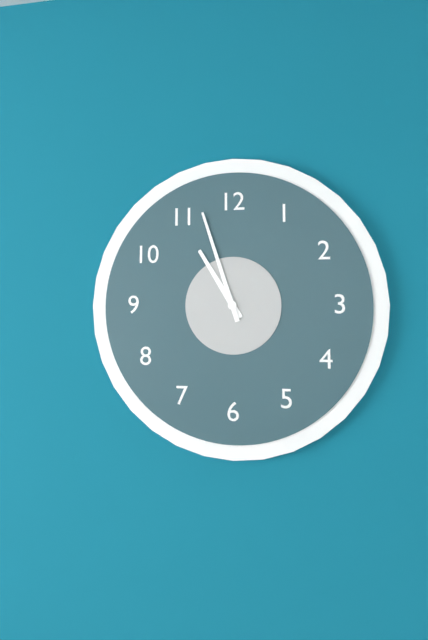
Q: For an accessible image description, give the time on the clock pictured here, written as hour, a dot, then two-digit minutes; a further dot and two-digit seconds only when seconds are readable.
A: 10.57
